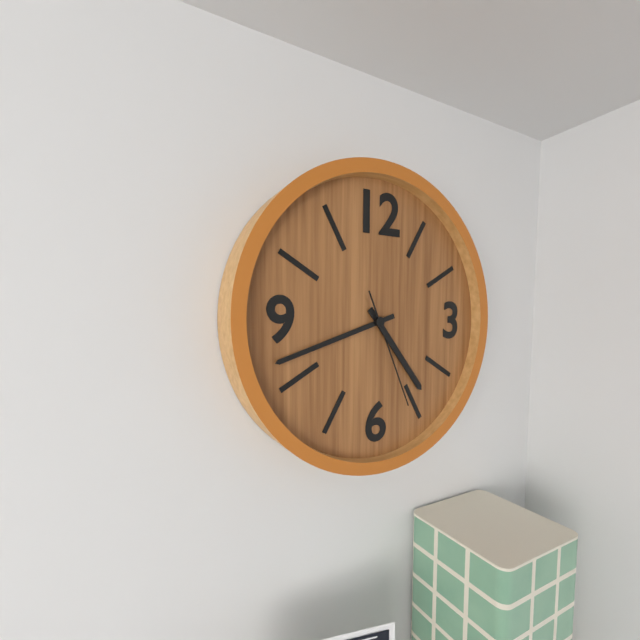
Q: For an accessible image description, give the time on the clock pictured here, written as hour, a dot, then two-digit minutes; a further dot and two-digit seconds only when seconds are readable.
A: 4.42.26
